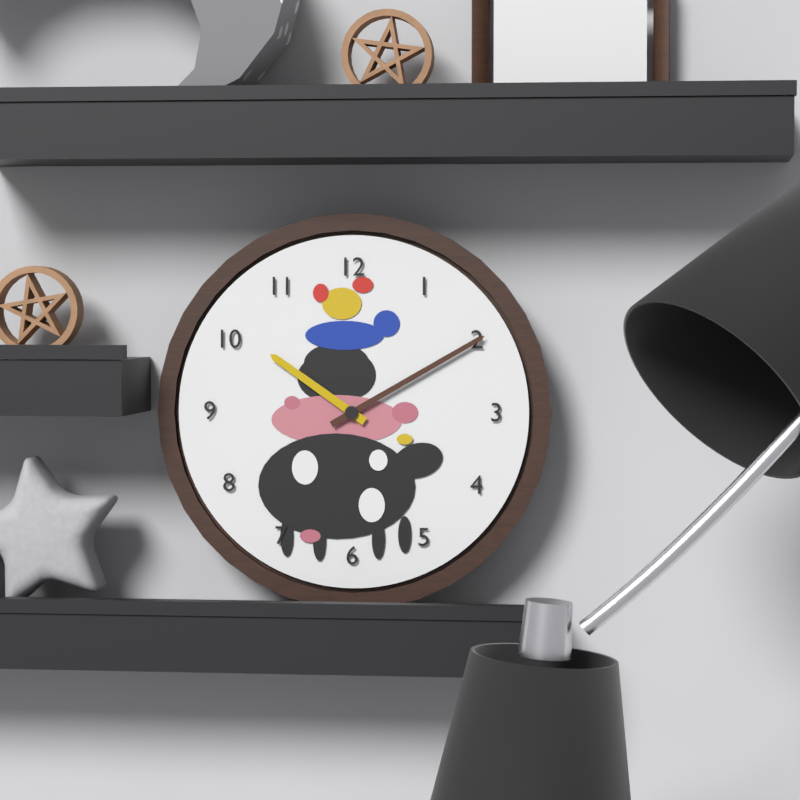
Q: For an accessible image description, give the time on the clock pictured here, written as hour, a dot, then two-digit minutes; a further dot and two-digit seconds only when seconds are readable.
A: 10.10
